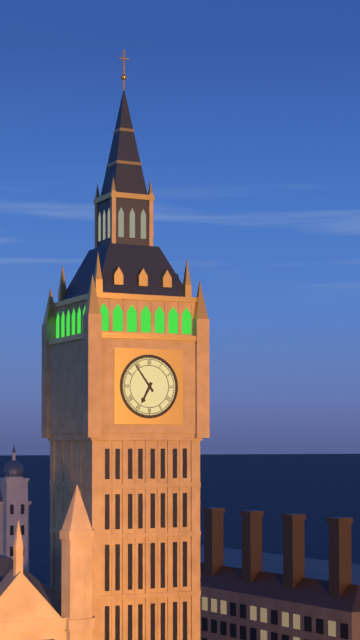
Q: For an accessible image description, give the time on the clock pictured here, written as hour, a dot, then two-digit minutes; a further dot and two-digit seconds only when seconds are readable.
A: 6.54
